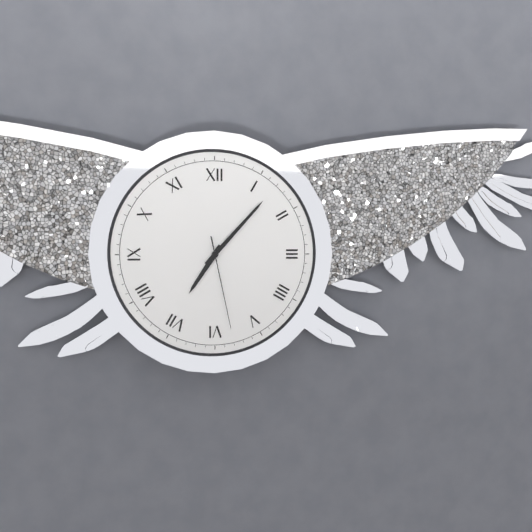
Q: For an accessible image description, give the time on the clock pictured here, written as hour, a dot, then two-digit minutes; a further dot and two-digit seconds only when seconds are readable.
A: 7.07.28
